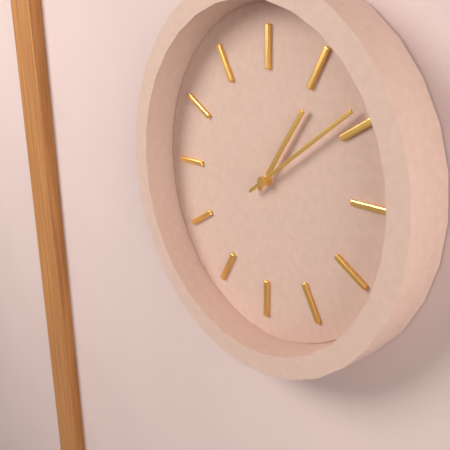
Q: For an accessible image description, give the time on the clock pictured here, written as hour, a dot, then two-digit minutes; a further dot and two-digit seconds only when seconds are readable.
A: 1.09
